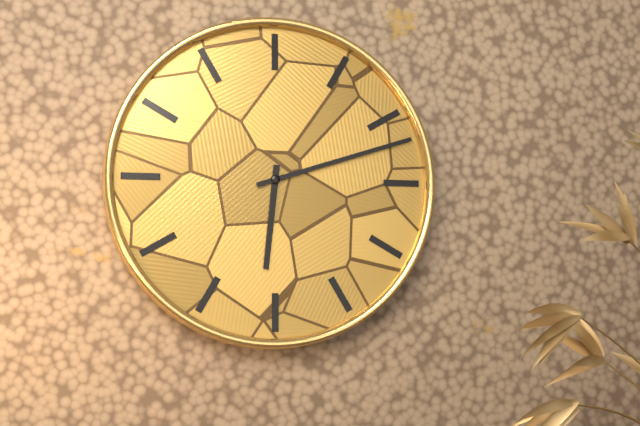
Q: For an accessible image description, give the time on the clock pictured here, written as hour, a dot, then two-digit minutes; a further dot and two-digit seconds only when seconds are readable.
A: 6.12
